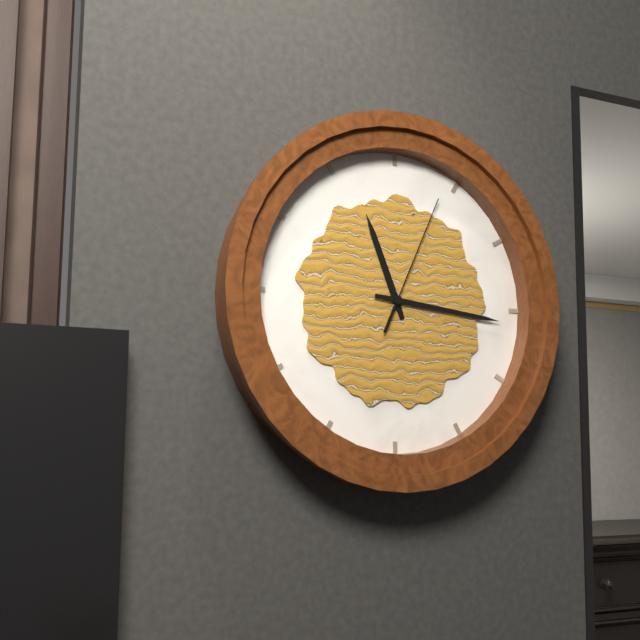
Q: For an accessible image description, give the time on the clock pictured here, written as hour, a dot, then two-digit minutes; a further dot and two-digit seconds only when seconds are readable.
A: 11.16.04
